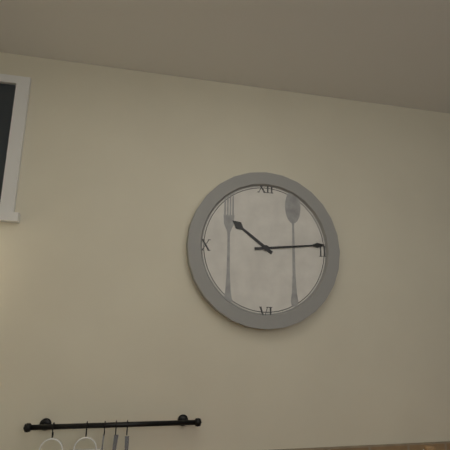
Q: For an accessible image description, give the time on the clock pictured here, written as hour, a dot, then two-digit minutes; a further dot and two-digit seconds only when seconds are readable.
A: 10.14
